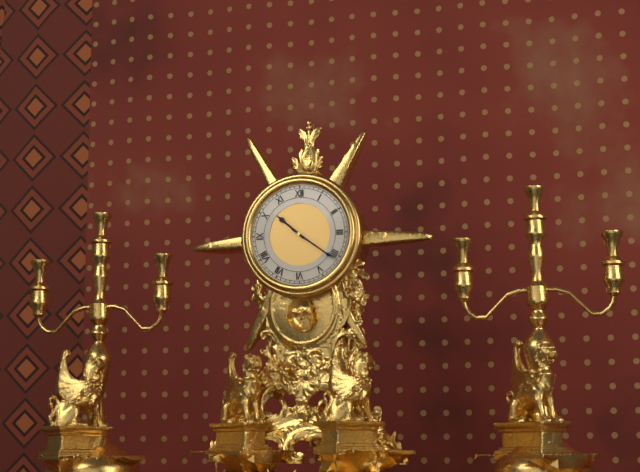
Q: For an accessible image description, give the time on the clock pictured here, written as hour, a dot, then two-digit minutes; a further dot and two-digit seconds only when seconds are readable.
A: 10.21
